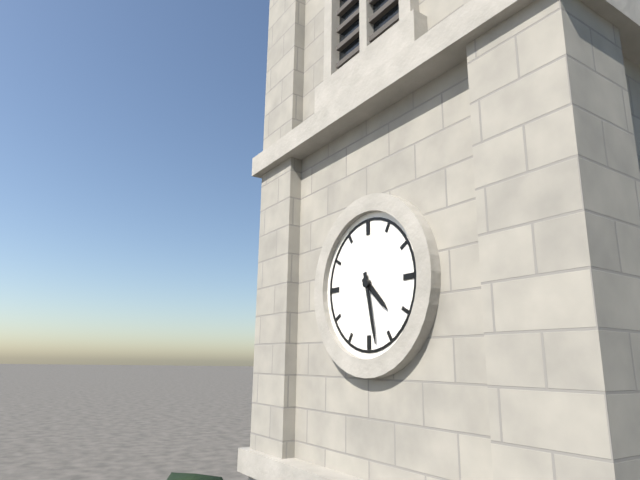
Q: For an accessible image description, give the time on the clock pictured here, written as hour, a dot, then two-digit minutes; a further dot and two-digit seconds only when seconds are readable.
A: 4.28
